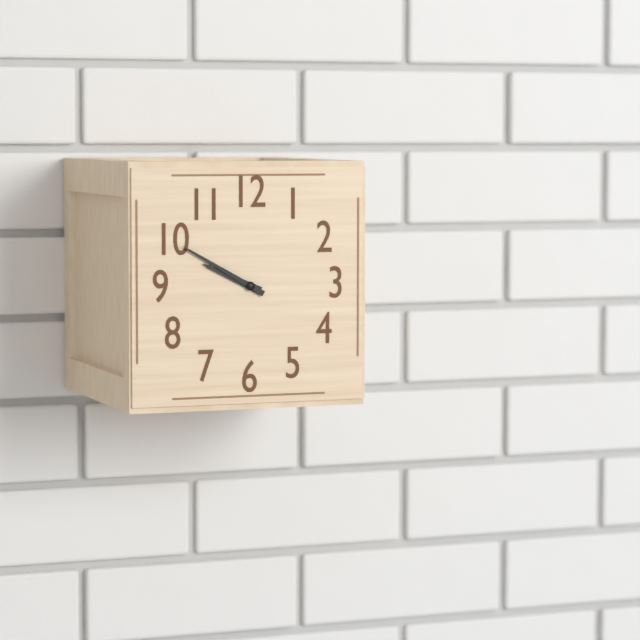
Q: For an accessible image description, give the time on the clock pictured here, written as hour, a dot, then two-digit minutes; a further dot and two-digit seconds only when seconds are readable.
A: 9.50
